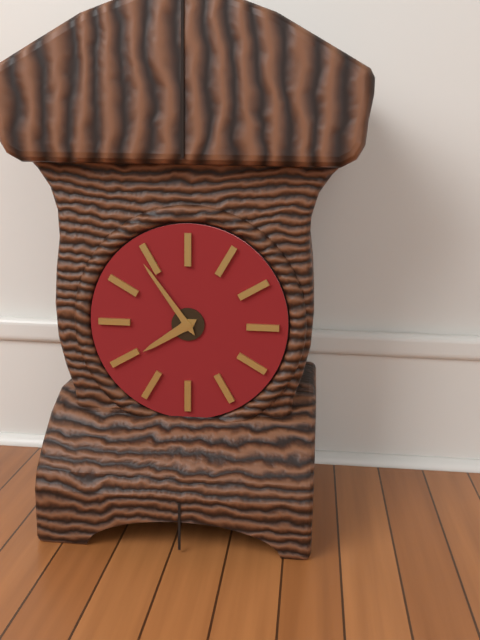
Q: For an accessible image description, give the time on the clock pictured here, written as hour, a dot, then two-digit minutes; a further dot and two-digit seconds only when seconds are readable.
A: 7.54
